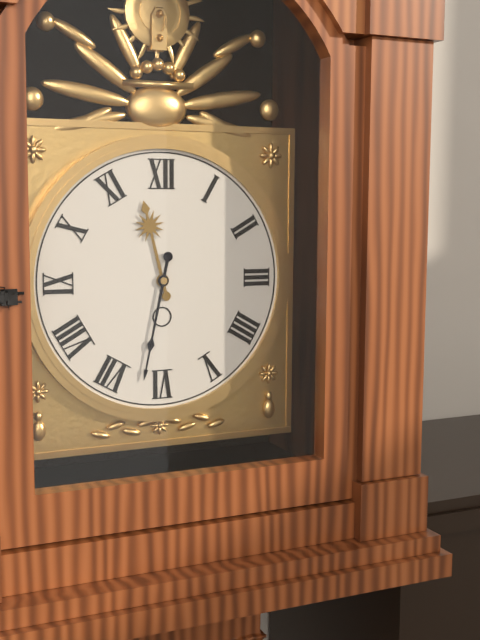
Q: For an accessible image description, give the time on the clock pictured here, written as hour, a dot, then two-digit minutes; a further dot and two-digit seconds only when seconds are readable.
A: 11.32
